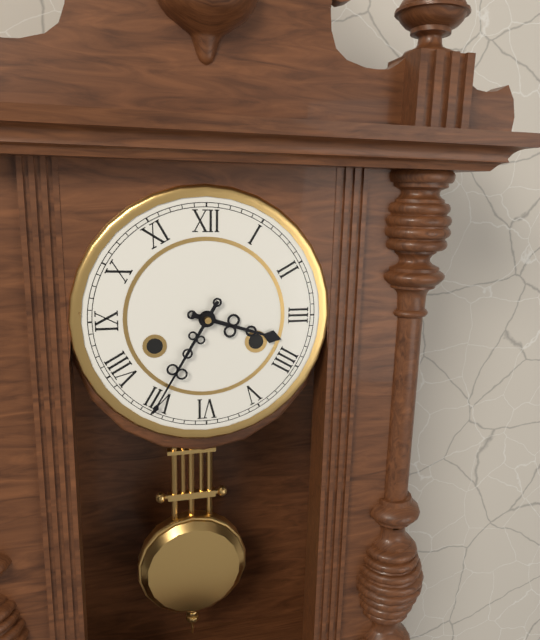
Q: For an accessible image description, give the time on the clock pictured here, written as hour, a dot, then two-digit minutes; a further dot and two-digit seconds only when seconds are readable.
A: 3.35
